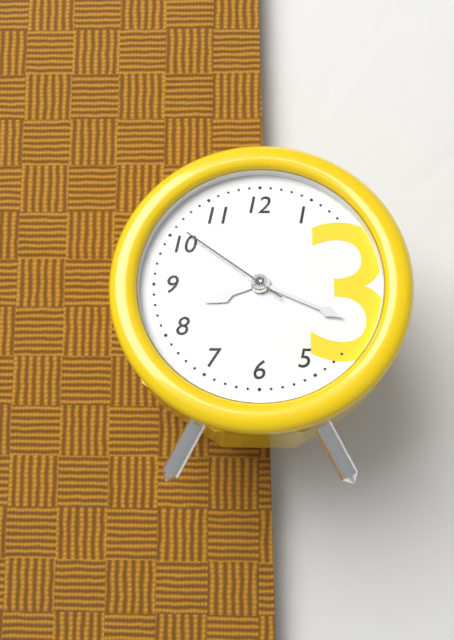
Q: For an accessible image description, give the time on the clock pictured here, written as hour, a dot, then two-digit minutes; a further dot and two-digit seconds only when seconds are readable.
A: 8.19.51
